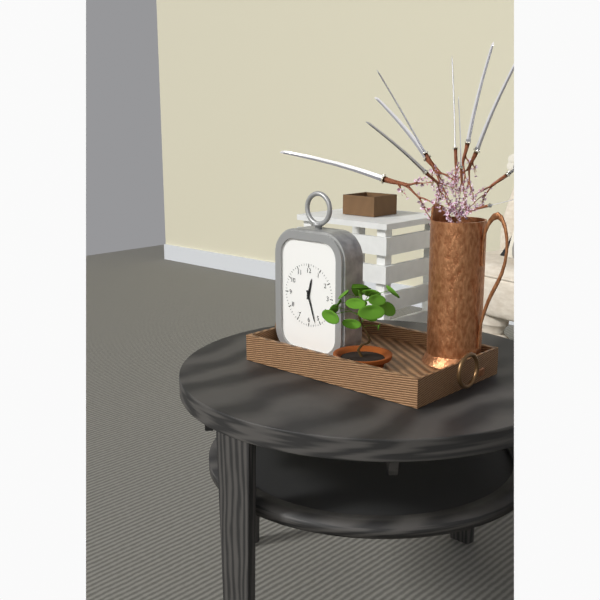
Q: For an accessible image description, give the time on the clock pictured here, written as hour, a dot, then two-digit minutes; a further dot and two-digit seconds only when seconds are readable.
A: 12.27
